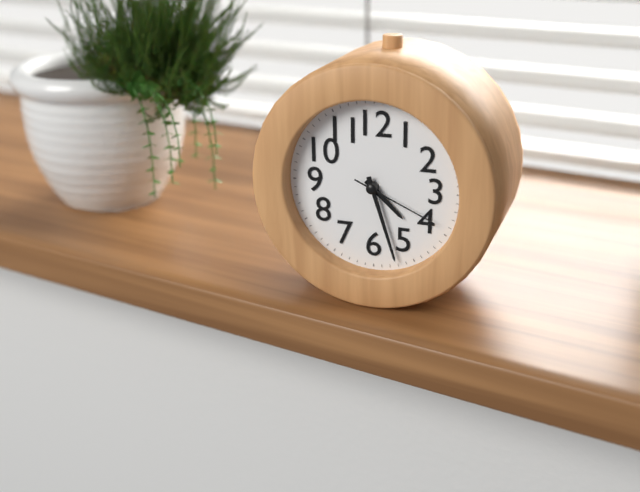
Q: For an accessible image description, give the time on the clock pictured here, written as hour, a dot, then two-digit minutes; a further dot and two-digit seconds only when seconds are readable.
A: 4.27.19
